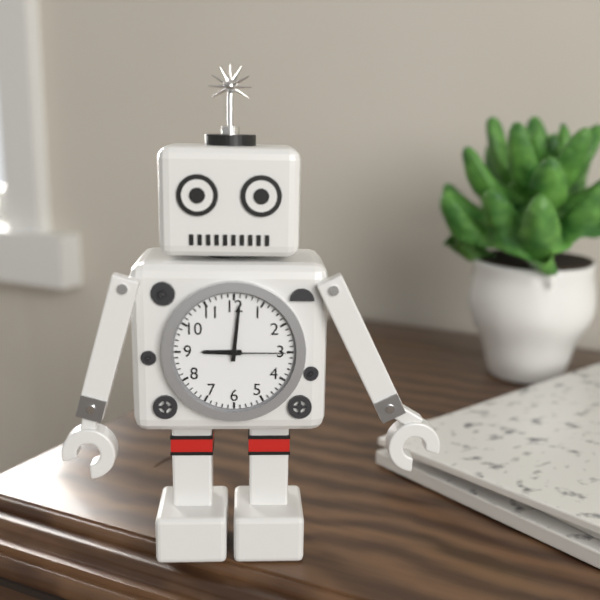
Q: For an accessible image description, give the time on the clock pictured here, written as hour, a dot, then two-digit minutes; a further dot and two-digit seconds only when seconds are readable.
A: 9.01.15
